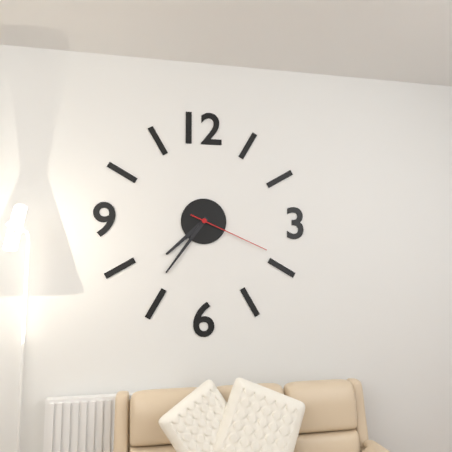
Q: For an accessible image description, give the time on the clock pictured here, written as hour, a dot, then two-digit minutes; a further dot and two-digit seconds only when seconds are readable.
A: 7.36.19
